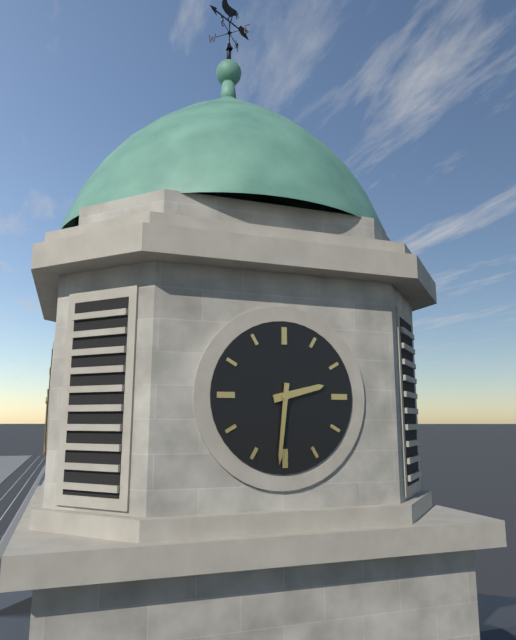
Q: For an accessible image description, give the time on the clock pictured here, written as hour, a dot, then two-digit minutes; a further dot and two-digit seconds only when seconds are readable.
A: 2.31
